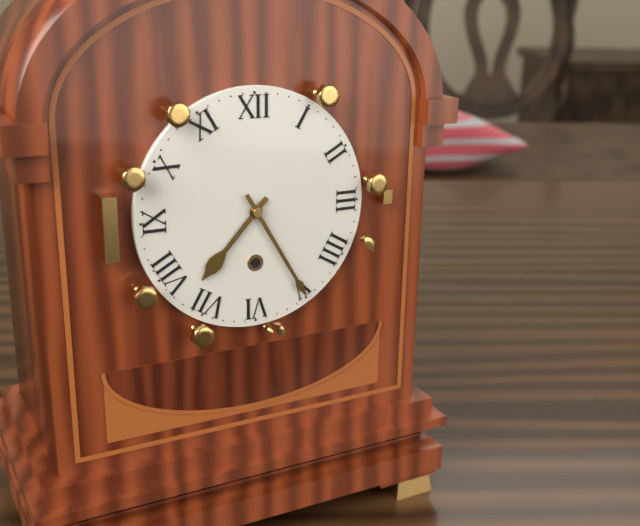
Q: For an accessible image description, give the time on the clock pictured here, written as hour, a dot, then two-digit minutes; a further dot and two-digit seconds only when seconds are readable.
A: 7.25
